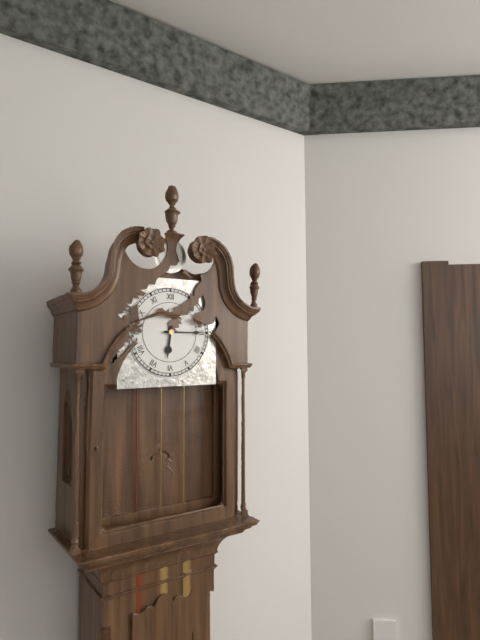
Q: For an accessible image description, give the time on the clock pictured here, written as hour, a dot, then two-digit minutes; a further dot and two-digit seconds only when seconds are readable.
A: 6.15
